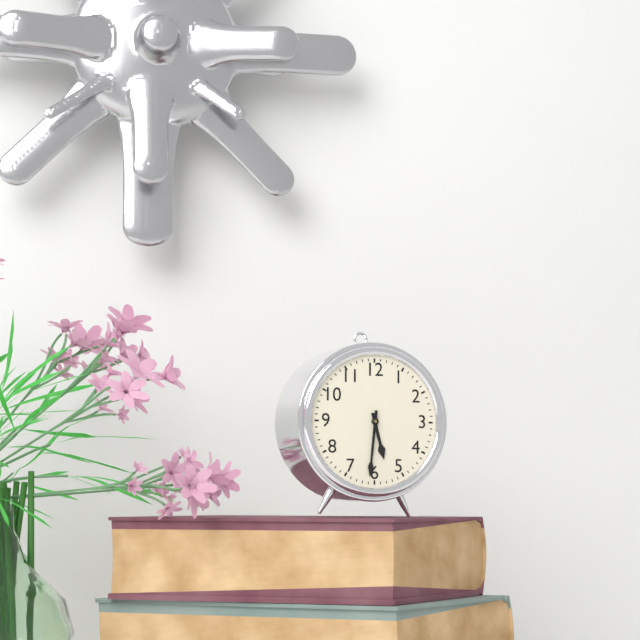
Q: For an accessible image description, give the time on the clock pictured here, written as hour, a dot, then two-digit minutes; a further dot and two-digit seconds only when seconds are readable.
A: 5.31
